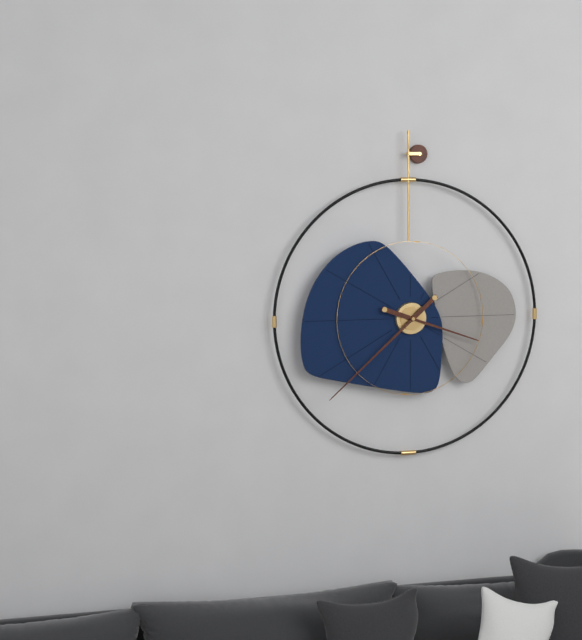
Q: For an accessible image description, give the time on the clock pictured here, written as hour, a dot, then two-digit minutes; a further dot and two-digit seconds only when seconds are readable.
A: 3.38
